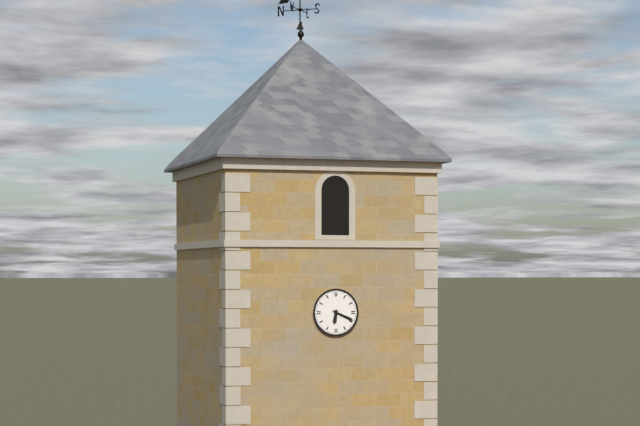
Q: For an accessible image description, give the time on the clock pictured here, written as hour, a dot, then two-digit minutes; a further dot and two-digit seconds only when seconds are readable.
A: 6.19
